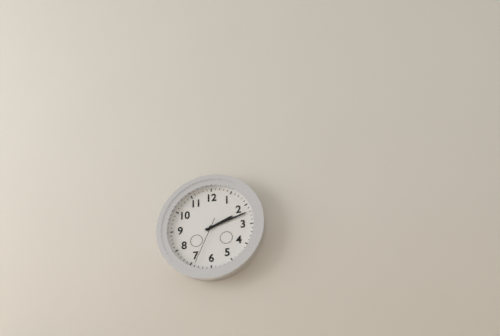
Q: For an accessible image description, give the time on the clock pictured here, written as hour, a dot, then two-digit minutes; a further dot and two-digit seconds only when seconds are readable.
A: 2.12
